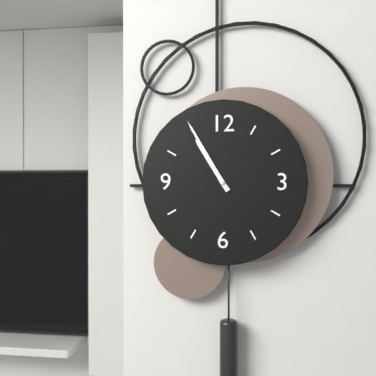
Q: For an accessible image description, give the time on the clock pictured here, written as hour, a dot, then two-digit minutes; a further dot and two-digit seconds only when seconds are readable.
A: 10.55
